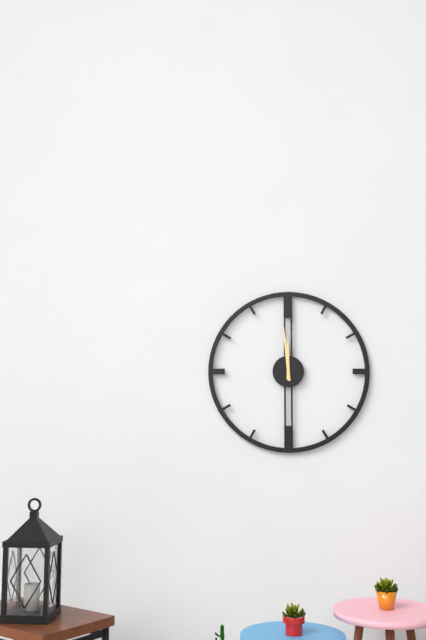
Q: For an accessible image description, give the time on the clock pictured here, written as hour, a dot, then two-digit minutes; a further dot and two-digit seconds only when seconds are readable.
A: 11.59
